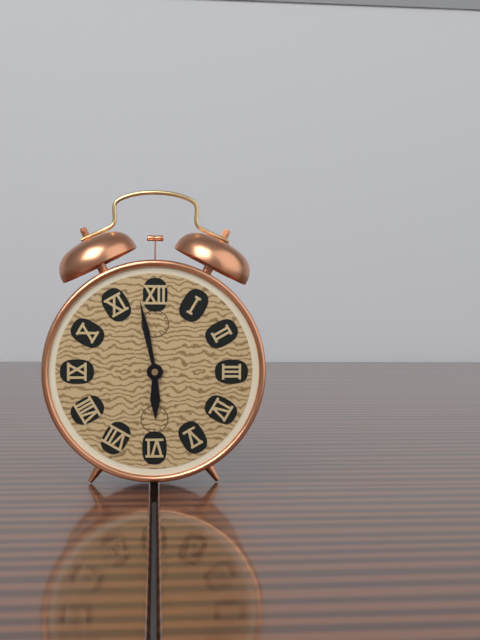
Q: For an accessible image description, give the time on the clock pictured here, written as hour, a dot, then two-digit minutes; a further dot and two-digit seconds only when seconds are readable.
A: 5.58
